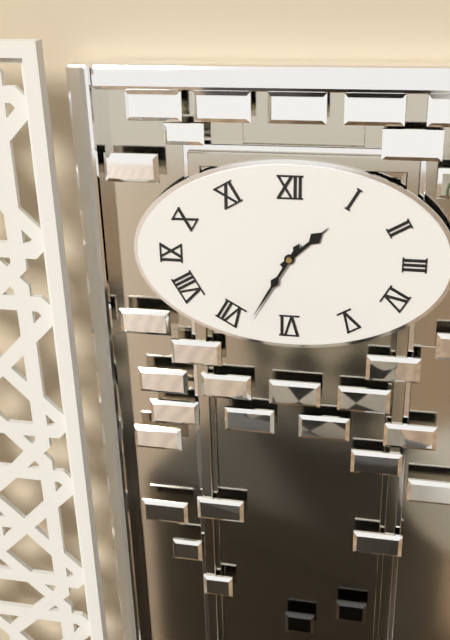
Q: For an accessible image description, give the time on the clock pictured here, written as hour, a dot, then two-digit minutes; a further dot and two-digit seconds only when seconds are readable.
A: 1.35
